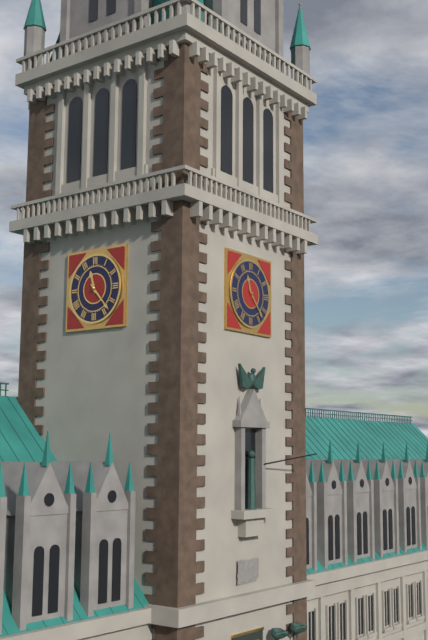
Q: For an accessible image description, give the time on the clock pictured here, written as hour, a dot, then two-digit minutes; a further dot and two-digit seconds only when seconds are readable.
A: 11.23
